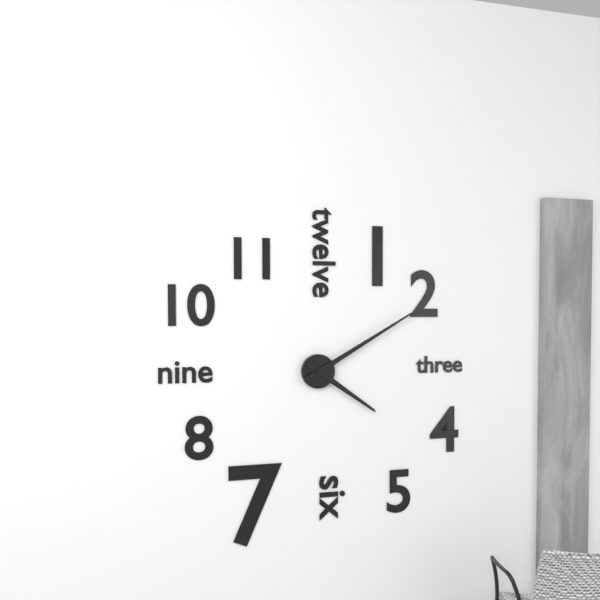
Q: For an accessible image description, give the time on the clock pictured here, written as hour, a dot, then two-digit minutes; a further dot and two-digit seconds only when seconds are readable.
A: 4.10
